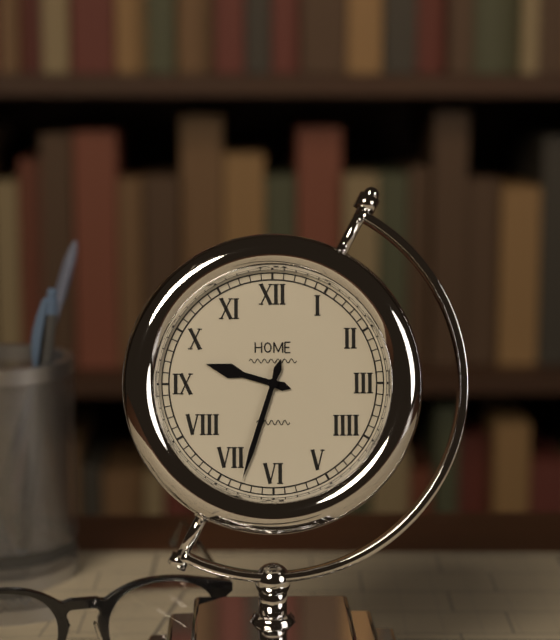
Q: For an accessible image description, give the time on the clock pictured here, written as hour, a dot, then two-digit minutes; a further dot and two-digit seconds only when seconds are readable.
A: 9.33
